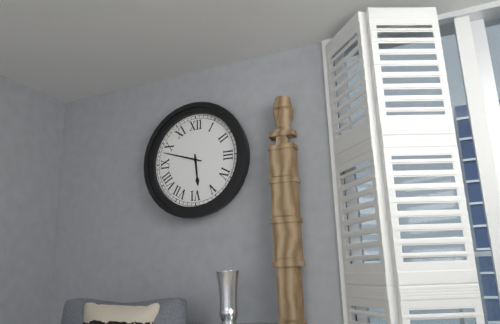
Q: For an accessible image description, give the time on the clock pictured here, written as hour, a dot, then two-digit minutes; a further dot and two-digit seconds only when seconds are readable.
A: 5.48
